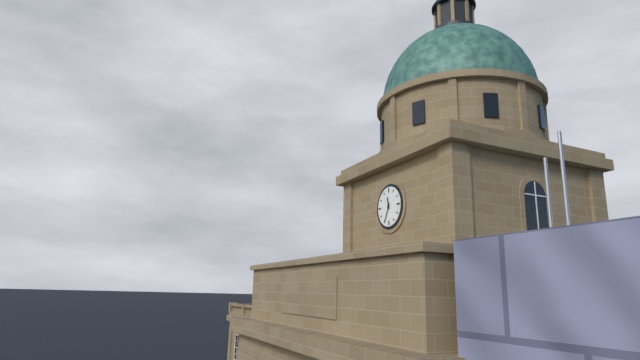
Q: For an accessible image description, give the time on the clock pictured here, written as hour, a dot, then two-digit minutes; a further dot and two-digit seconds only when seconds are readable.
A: 11.34
